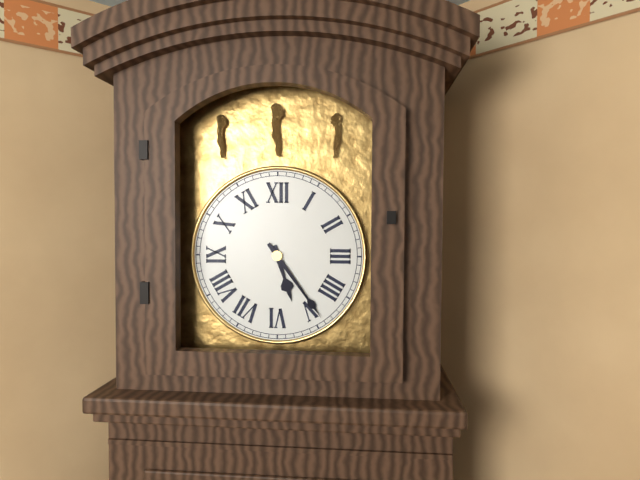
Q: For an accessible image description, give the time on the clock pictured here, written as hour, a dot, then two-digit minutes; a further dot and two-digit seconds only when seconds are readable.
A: 5.24
